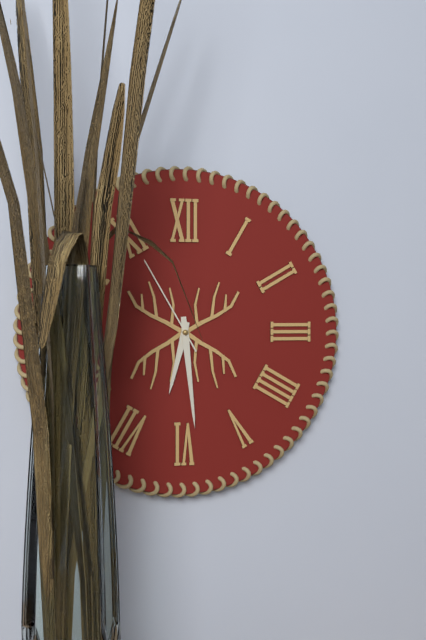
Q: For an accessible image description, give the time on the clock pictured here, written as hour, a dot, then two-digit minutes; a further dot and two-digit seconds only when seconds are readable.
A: 6.29.55
